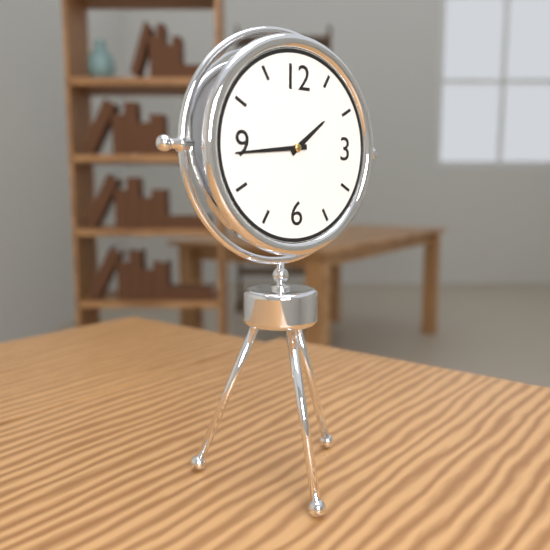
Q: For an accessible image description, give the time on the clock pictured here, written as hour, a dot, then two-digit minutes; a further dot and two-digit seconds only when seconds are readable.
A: 1.44
